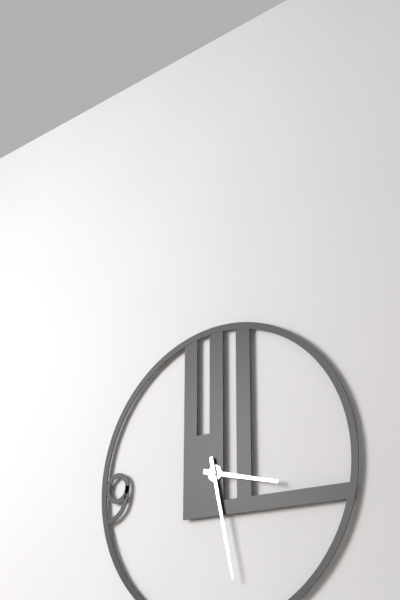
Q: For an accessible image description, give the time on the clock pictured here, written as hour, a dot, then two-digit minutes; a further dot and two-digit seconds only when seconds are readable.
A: 3.28
